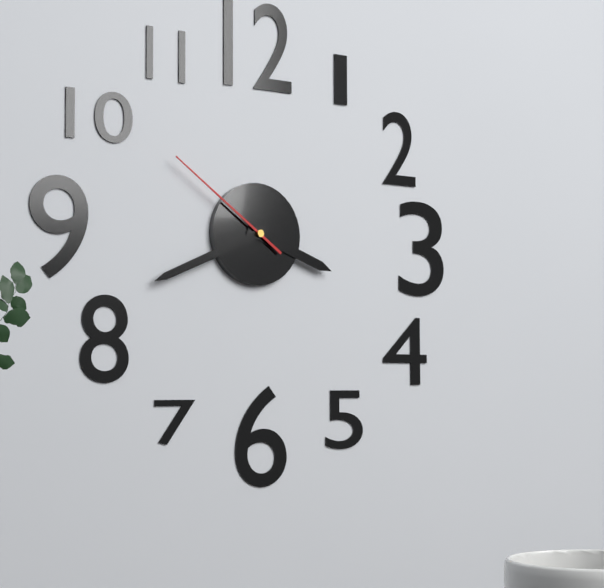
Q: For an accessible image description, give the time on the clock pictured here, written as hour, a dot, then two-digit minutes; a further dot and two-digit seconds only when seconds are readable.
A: 3.41.51
